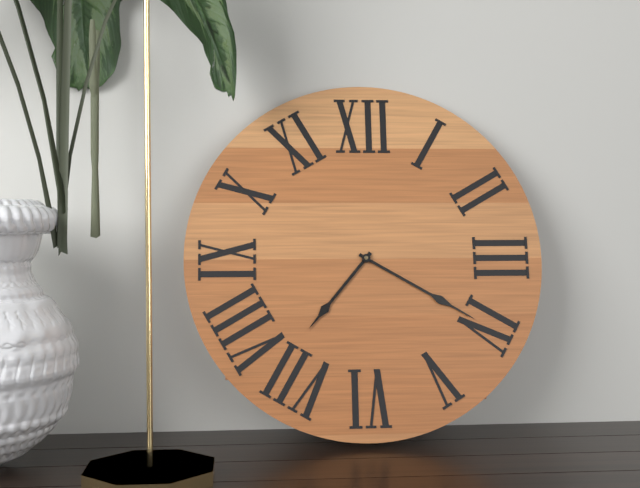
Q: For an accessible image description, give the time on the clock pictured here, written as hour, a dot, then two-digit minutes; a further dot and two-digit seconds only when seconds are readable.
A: 7.20
